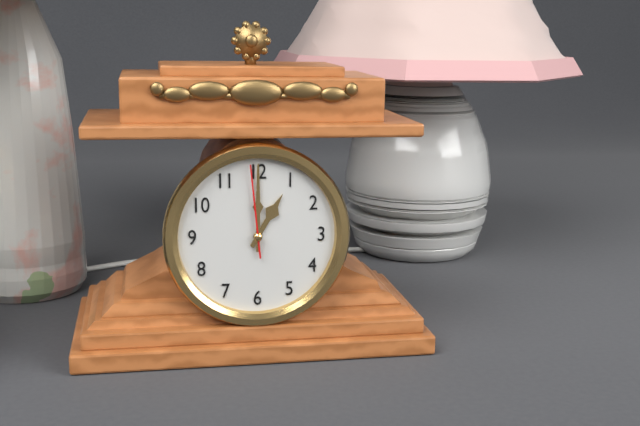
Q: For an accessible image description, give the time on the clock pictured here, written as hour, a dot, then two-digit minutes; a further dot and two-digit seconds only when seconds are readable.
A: 1.00.59
